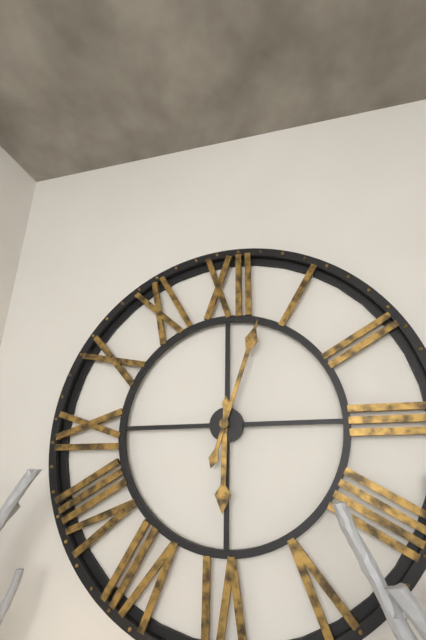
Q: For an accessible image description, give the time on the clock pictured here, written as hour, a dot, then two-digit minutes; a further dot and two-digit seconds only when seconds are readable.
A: 6.03
